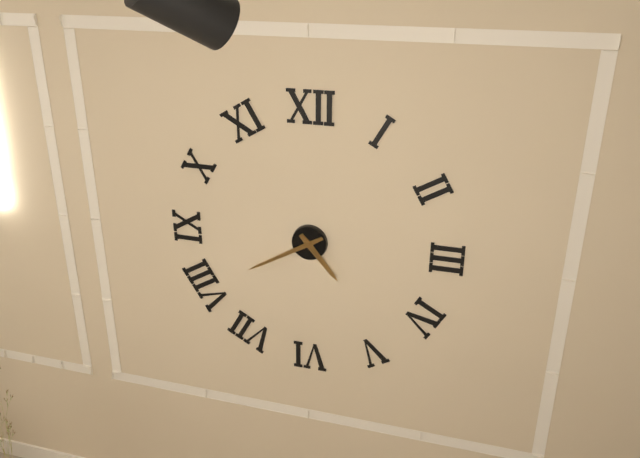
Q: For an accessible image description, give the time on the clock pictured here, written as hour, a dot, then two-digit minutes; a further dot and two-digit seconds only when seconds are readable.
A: 4.40
